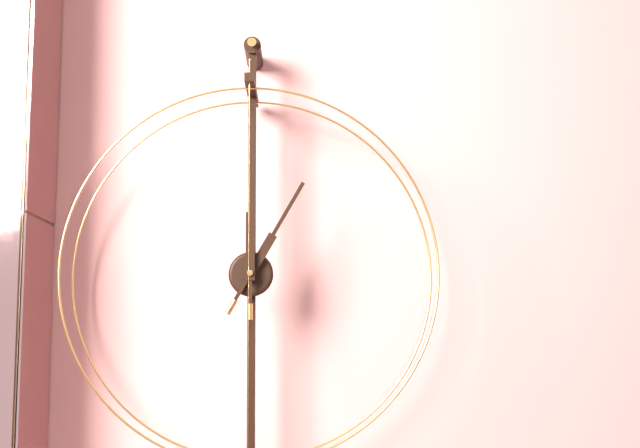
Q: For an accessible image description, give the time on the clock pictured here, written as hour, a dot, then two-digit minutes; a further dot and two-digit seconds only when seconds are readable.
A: 1.00
